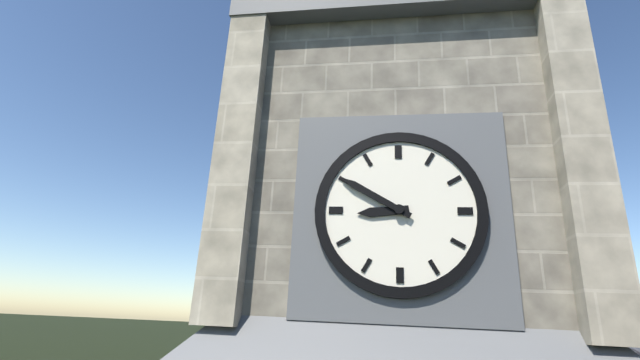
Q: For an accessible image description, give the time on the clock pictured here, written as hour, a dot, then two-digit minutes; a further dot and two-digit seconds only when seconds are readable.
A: 8.50
